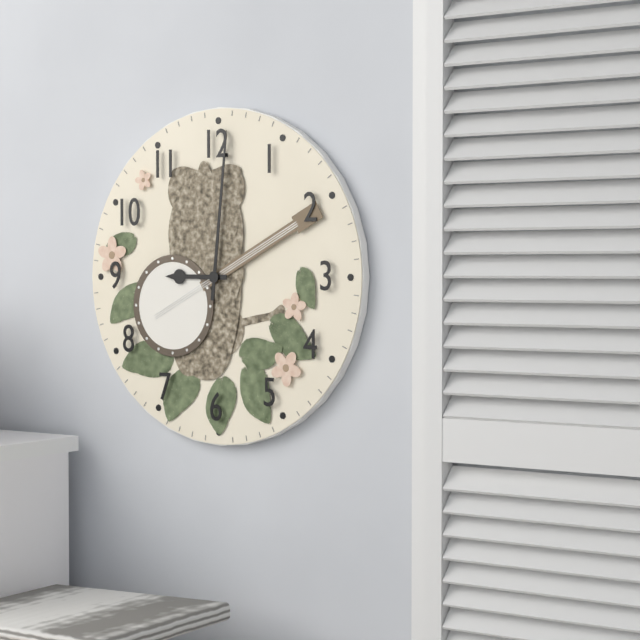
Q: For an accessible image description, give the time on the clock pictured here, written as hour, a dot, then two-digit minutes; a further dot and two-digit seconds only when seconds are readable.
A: 9.01
